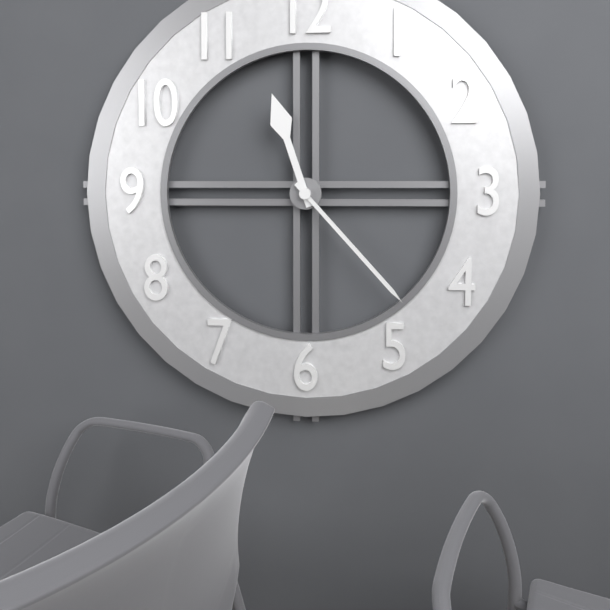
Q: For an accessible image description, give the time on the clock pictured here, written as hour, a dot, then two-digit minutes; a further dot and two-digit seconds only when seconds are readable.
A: 11.23
